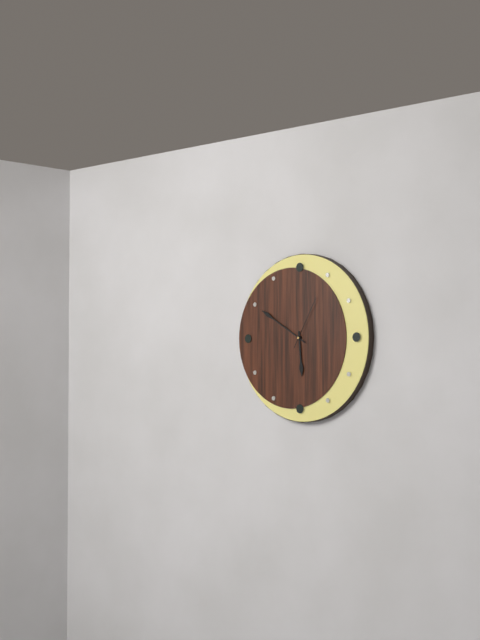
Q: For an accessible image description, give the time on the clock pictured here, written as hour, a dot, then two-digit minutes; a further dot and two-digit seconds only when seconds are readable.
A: 5.50.05
